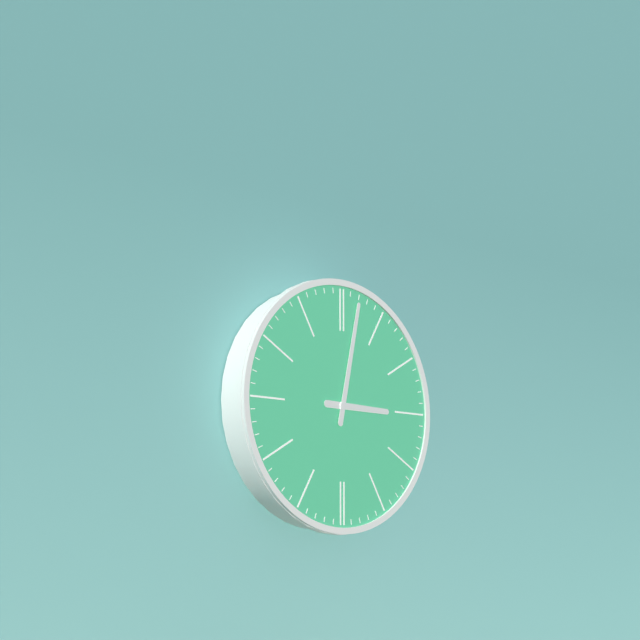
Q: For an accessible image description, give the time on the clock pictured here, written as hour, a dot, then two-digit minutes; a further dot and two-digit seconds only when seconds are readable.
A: 3.02
